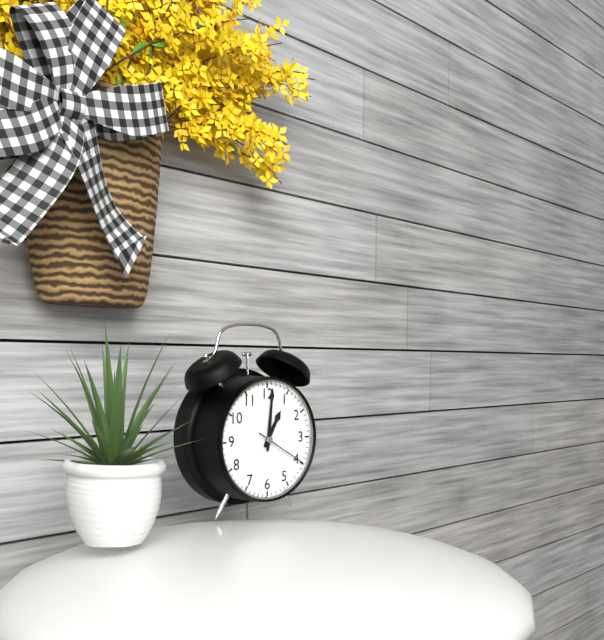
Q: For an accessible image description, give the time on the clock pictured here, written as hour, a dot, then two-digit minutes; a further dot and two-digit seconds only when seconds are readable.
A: 1.01.20
